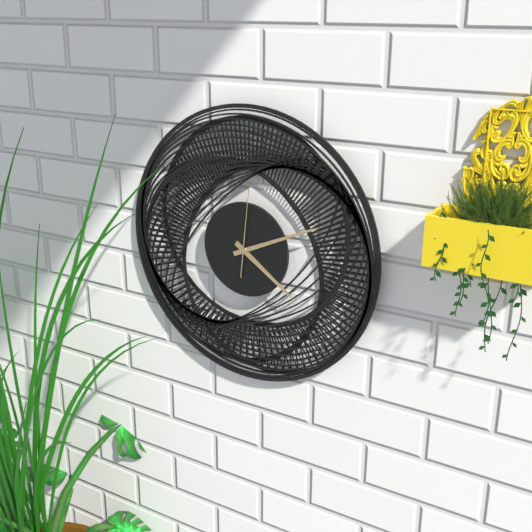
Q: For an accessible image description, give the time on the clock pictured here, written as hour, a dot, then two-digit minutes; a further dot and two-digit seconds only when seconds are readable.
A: 4.11.01
